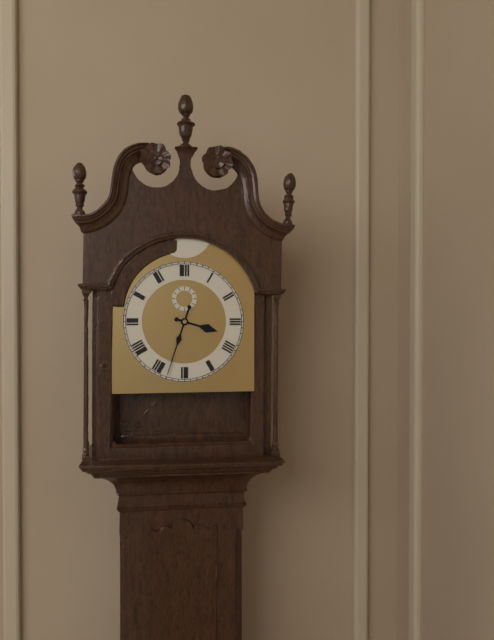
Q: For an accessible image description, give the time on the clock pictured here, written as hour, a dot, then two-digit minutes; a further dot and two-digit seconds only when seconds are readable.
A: 3.33
